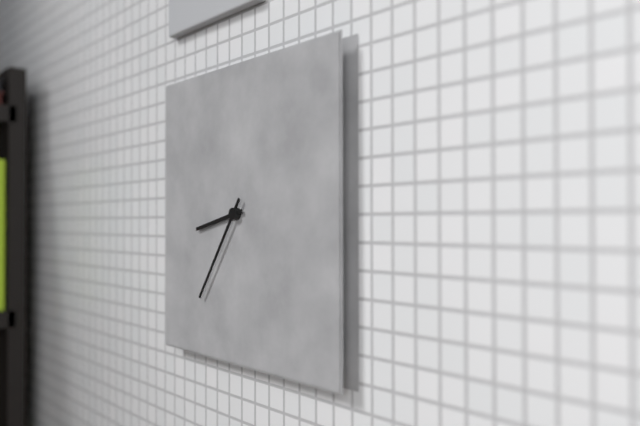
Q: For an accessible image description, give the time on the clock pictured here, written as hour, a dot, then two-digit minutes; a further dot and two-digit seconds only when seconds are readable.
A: 8.36
